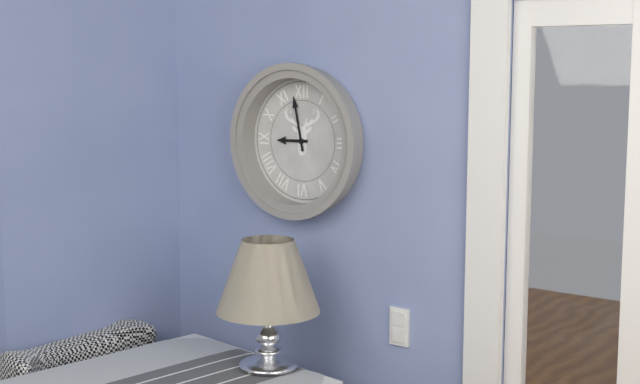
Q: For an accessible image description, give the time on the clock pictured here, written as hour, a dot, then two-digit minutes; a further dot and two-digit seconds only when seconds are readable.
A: 8.58
